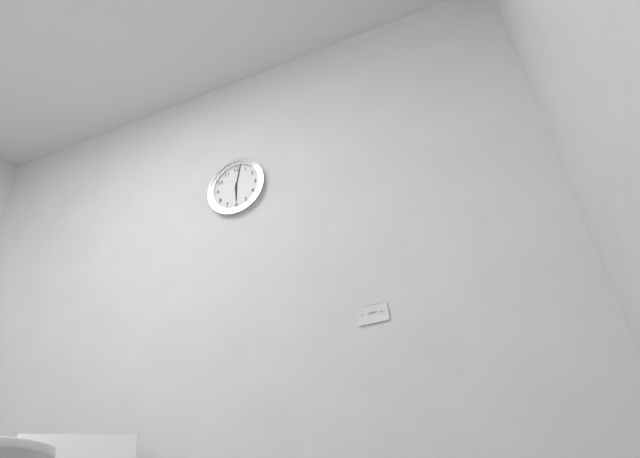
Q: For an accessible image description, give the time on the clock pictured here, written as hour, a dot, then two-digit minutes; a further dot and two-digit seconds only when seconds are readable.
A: 6.02
